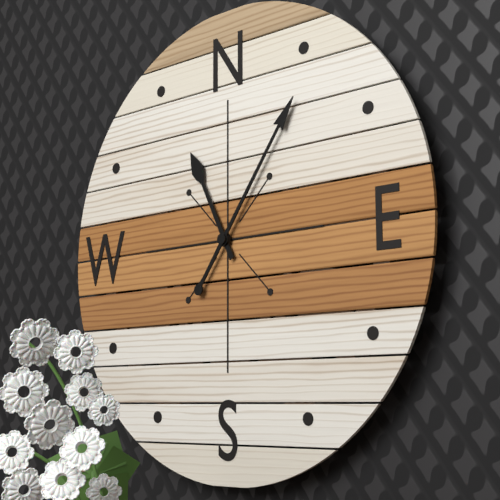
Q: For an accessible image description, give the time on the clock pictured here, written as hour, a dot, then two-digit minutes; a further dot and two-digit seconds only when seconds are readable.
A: 11.06
